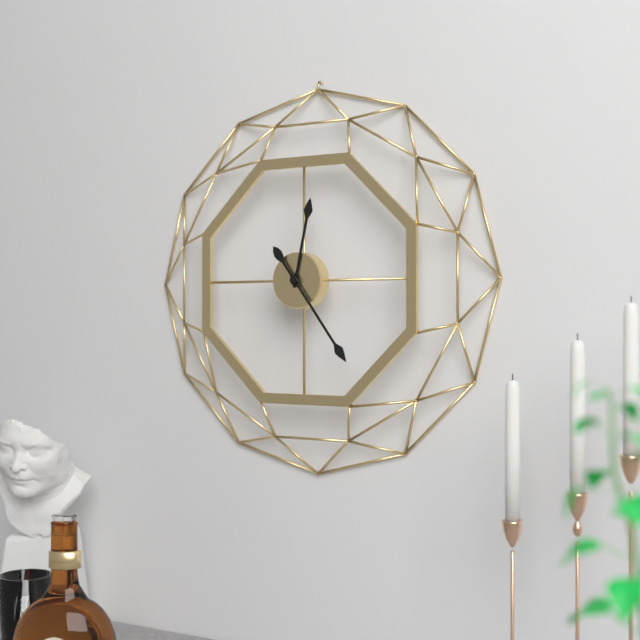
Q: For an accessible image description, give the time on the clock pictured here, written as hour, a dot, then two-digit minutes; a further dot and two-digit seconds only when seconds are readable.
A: 12.24
